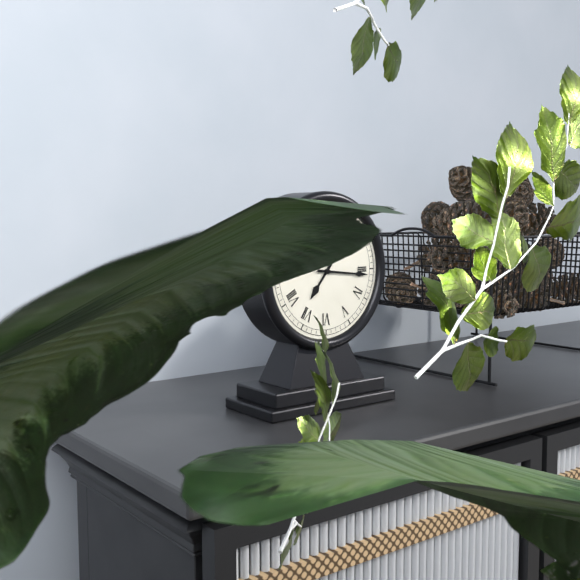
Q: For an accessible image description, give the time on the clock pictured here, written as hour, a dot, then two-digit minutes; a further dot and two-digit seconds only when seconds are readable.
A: 7.16
